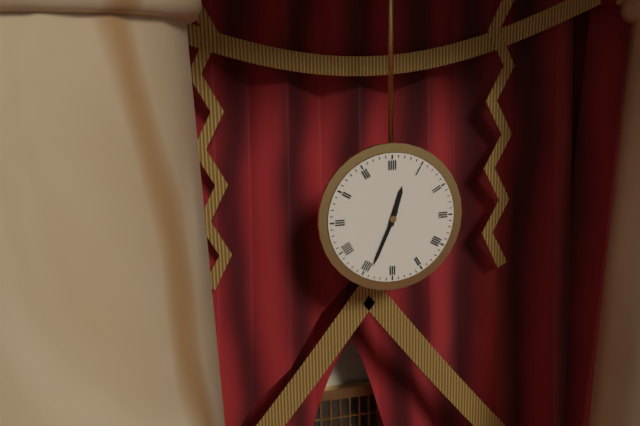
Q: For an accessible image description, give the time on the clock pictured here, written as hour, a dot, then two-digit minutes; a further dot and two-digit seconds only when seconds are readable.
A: 12.34
